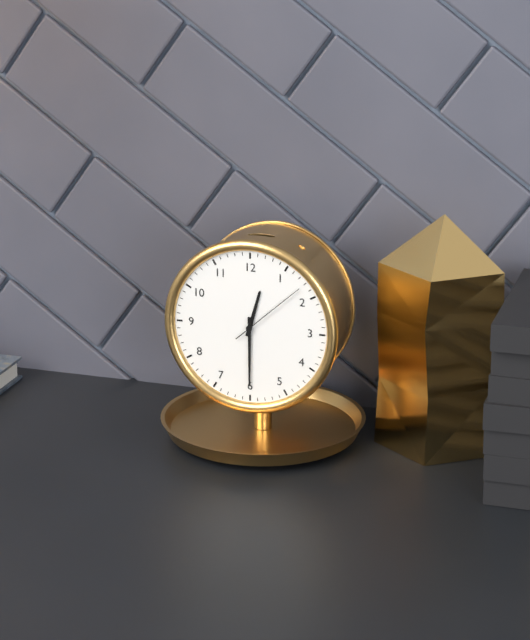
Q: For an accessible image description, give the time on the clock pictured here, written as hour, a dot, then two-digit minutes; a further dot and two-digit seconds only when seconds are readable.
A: 12.30.08
